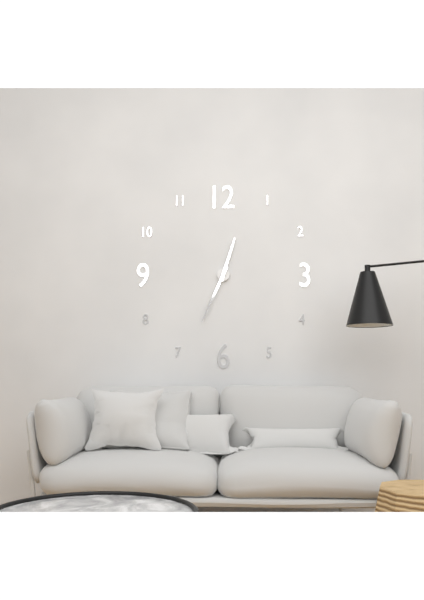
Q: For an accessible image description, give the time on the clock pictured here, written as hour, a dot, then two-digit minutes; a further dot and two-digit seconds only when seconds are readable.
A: 12.34
